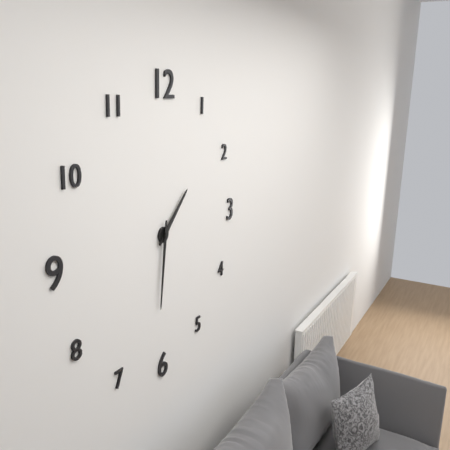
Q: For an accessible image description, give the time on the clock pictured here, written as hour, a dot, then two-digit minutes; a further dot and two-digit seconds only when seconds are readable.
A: 1.31
